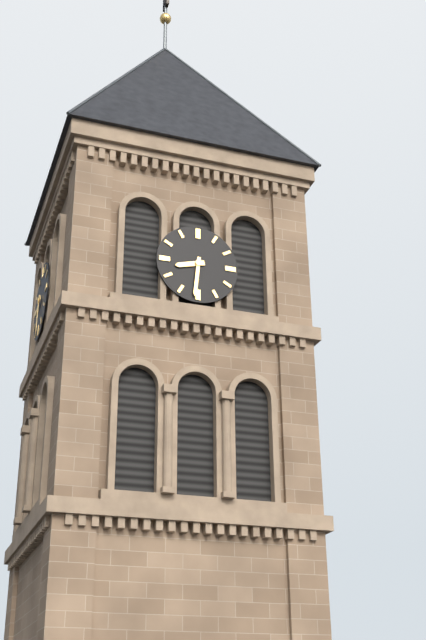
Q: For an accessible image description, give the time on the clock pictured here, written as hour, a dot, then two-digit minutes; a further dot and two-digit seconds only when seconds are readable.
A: 8.31
